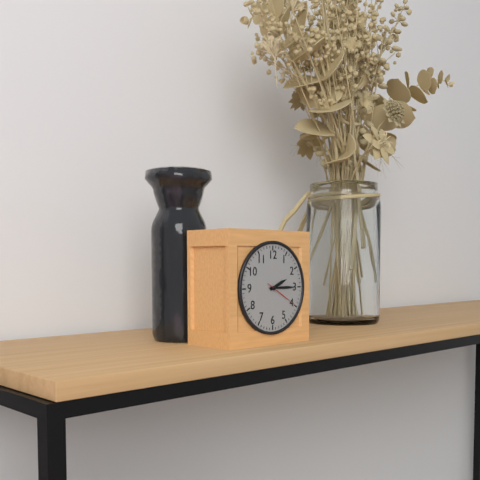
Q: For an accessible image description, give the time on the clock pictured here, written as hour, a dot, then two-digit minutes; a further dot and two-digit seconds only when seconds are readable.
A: 2.15
